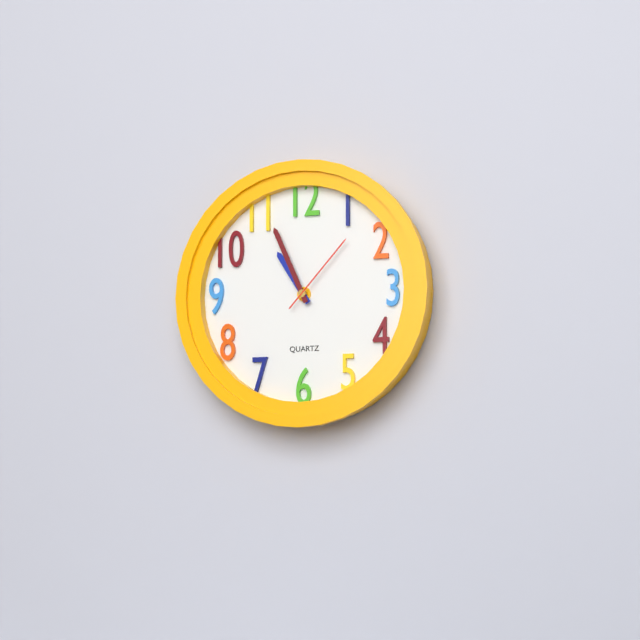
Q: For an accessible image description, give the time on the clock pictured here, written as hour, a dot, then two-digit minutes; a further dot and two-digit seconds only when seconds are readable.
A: 10.56.07
